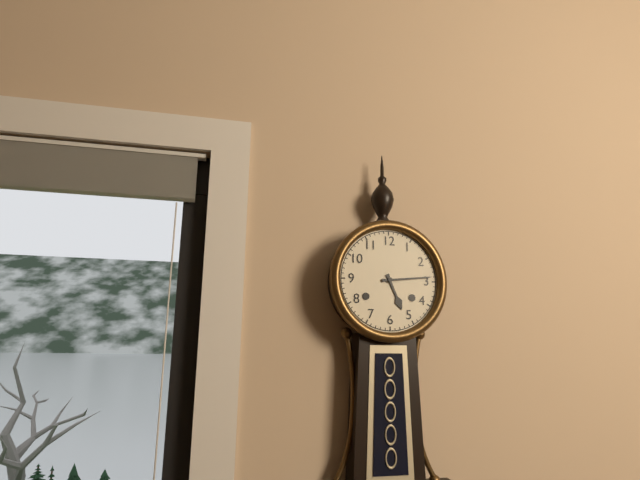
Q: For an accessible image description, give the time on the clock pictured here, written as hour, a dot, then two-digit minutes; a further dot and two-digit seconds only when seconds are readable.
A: 5.14
